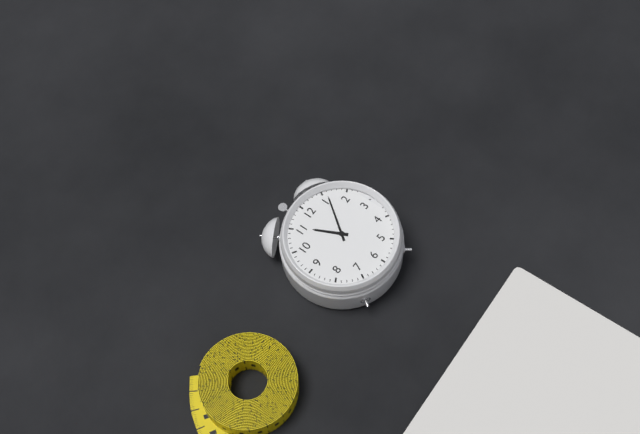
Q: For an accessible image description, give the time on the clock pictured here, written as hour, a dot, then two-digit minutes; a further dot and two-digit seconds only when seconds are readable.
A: 11.06
